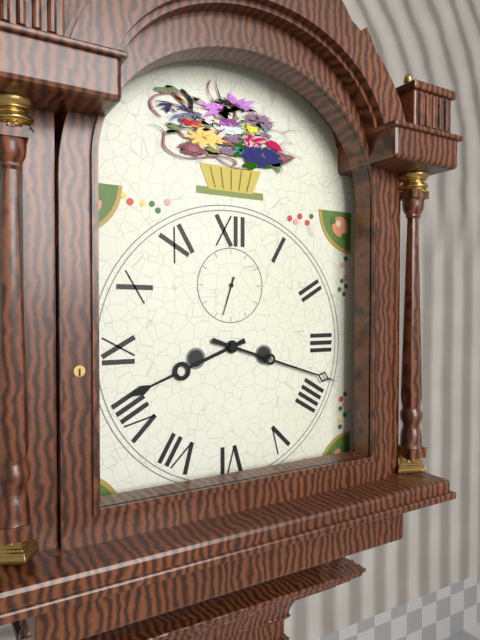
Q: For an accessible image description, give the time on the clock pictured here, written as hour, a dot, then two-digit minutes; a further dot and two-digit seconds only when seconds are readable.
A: 8.18
